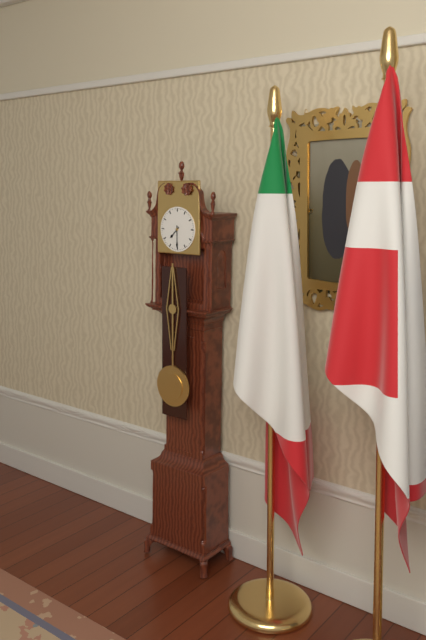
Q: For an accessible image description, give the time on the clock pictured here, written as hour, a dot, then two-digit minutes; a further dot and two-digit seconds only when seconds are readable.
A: 7.30
